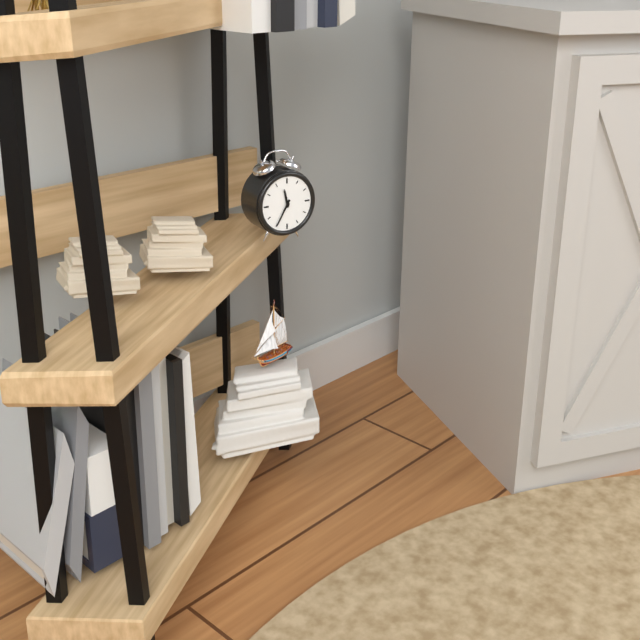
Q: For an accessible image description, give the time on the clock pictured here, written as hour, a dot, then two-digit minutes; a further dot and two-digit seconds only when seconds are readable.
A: 11.35
